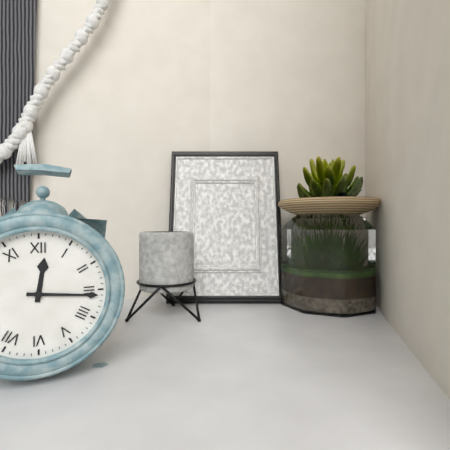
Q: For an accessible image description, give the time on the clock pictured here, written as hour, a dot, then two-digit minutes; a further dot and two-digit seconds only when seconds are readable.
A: 12.16
